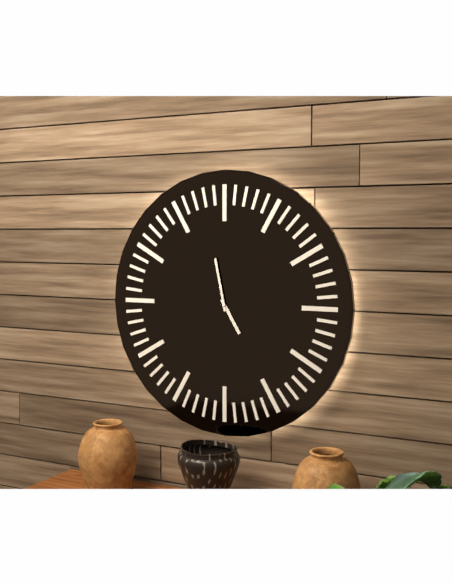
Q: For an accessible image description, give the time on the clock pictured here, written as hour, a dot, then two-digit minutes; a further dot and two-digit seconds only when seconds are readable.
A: 4.58
